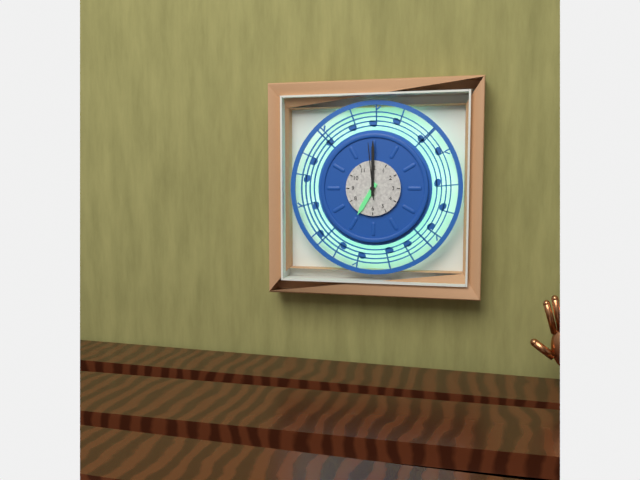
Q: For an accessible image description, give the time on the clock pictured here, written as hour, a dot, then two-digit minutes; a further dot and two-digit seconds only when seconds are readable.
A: 7.00.59
